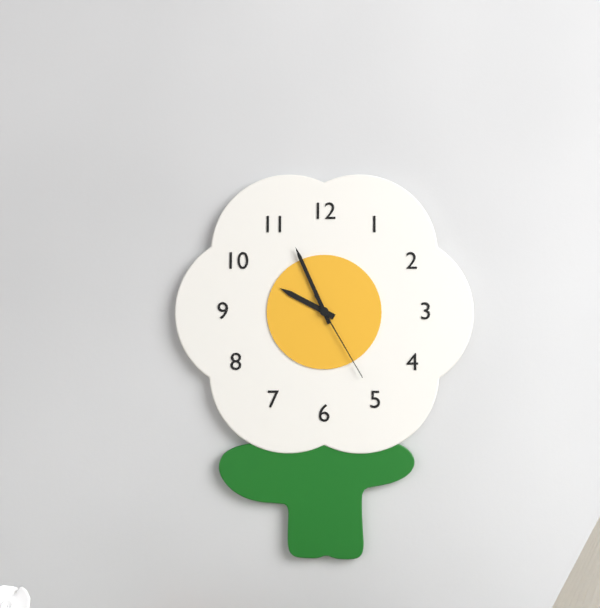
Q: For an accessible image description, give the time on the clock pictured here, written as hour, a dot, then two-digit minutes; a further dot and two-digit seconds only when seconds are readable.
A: 9.56.25
